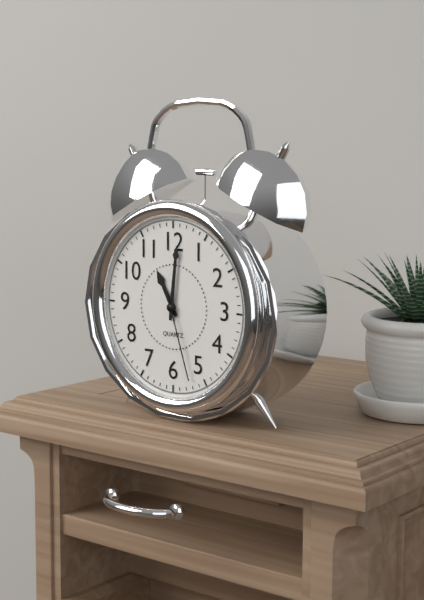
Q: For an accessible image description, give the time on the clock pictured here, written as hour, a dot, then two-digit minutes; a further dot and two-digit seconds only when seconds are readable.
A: 11.01.27
